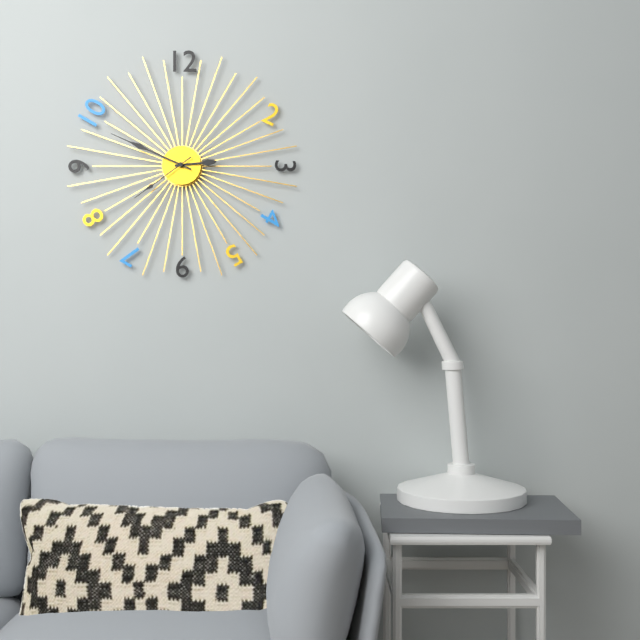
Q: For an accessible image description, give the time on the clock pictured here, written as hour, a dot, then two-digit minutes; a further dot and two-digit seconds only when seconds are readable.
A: 2.49.39
